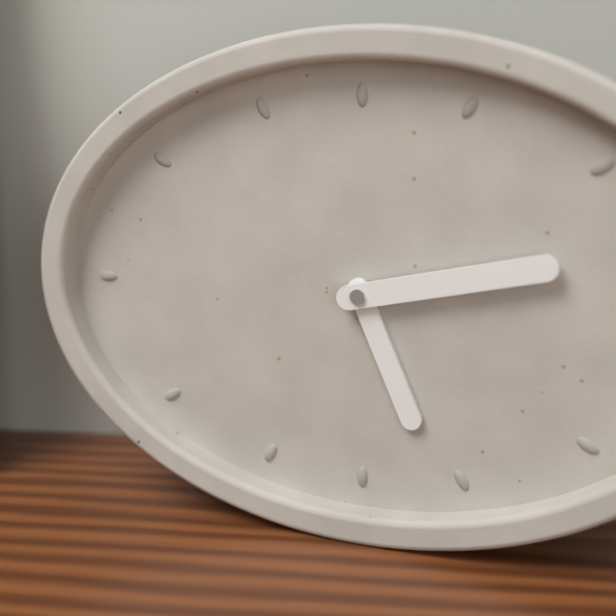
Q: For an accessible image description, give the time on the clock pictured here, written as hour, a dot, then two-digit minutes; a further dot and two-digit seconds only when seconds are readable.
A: 5.13
